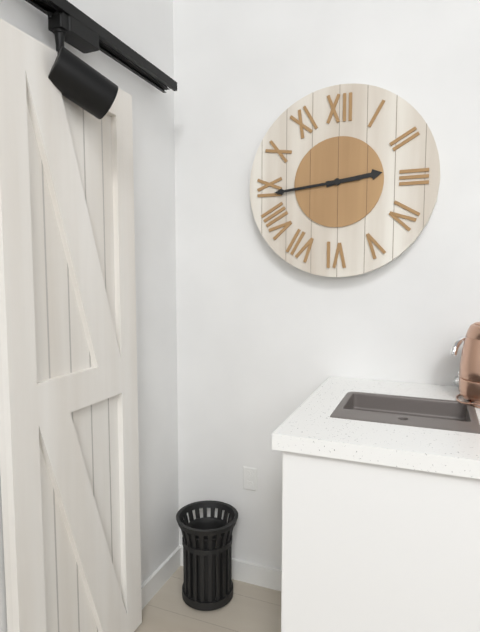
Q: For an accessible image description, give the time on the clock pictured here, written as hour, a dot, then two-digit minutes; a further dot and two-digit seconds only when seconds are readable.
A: 2.44
